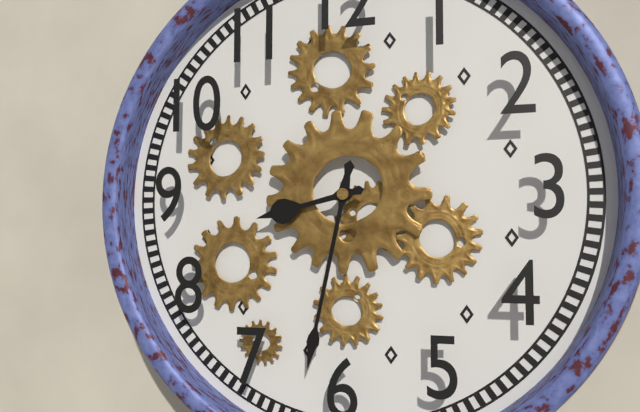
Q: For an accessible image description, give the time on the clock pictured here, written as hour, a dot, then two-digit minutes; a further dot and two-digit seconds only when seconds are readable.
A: 8.32
